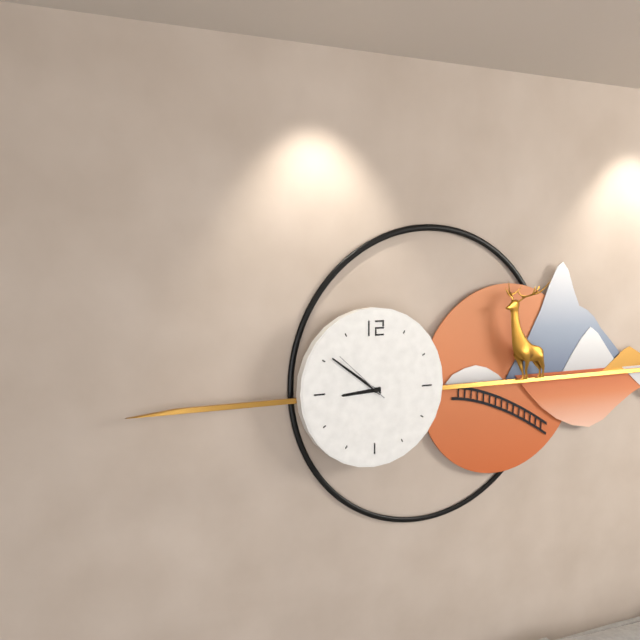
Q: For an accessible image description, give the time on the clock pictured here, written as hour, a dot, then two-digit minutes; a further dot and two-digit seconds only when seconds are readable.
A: 8.51.52
